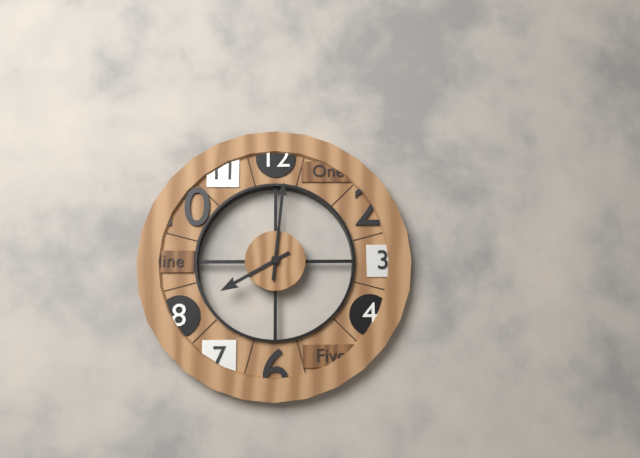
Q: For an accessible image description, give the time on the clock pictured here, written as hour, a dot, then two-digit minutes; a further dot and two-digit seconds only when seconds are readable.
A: 8.01
